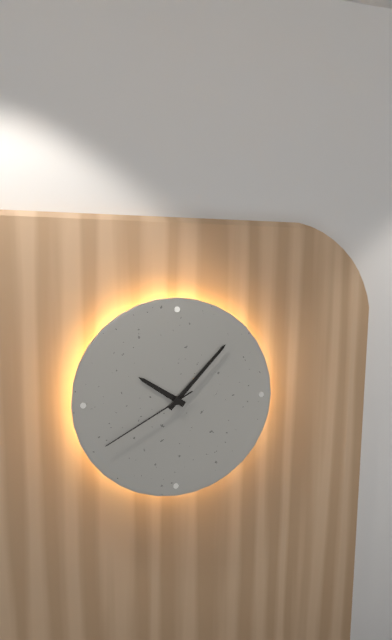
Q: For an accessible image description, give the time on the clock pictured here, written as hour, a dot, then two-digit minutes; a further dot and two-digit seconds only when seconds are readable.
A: 10.07.40
